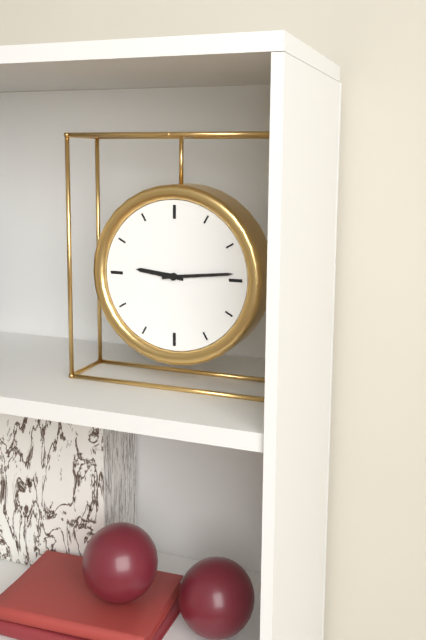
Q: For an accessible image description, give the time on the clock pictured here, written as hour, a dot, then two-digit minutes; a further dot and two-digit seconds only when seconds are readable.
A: 9.14
